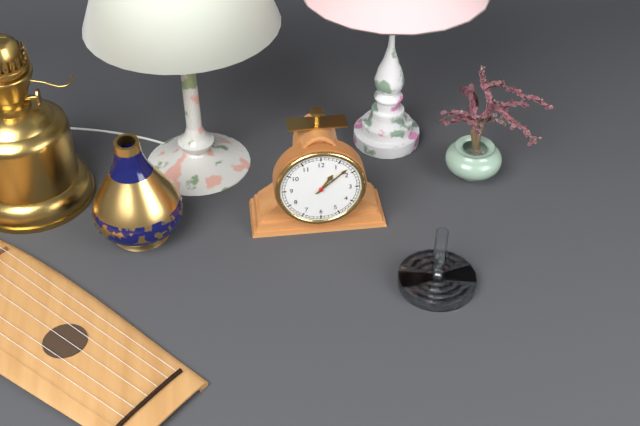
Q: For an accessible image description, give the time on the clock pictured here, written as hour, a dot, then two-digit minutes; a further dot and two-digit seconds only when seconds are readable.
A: 1.08
